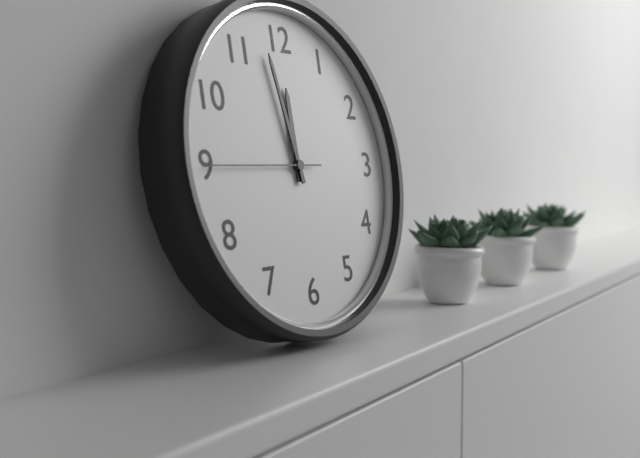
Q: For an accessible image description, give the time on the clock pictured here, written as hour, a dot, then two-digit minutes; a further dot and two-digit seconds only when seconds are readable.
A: 11.58.45
